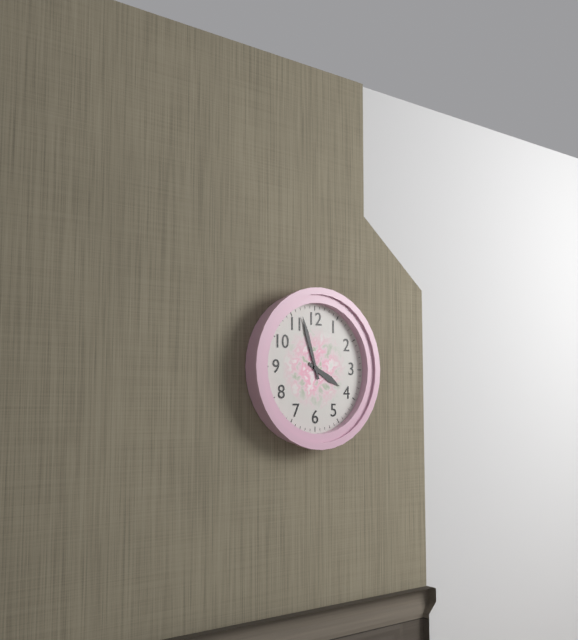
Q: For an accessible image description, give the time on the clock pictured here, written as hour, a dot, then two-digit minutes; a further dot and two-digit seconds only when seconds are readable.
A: 3.57
